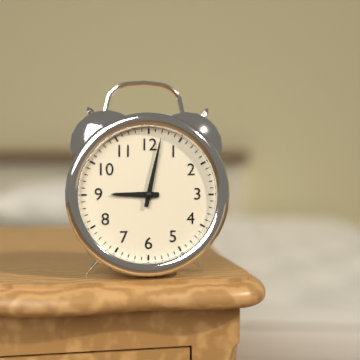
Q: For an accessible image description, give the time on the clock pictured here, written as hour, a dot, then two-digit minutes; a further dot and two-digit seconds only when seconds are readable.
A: 9.02
